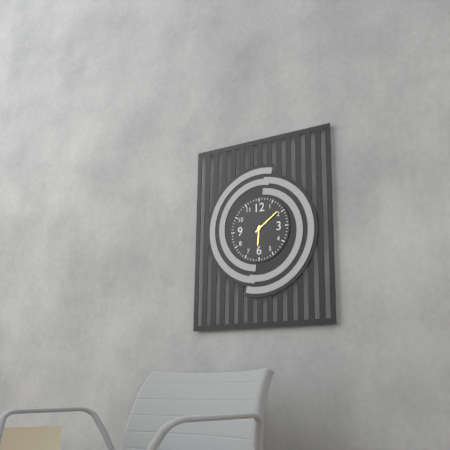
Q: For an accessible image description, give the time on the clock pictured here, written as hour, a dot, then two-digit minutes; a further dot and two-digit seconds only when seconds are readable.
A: 6.09
